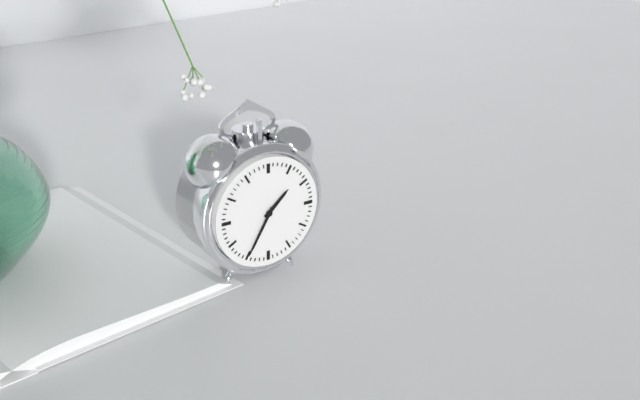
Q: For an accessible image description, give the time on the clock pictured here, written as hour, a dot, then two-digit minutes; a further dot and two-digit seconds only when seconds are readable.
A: 1.35
